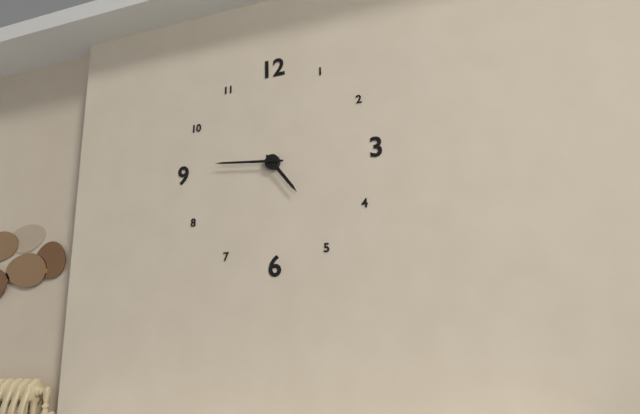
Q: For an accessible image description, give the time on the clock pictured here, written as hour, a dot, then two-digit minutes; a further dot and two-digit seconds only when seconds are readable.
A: 4.46
